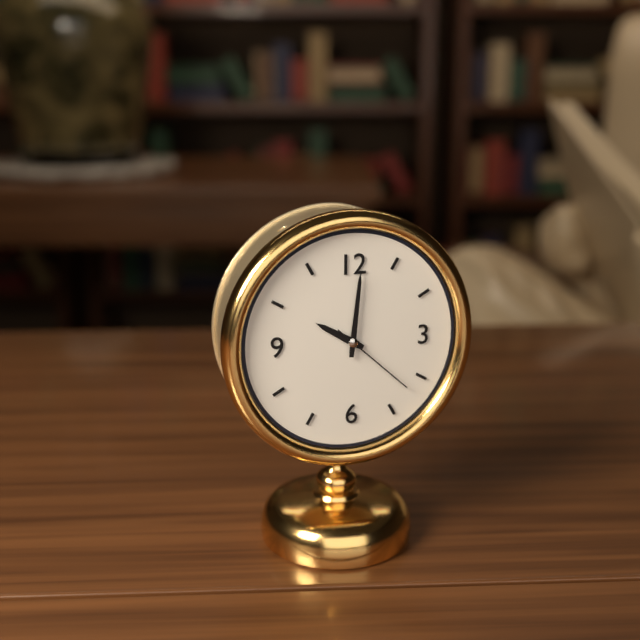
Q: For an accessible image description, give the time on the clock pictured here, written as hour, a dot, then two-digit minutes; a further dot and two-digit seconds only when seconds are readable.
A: 10.01.22
